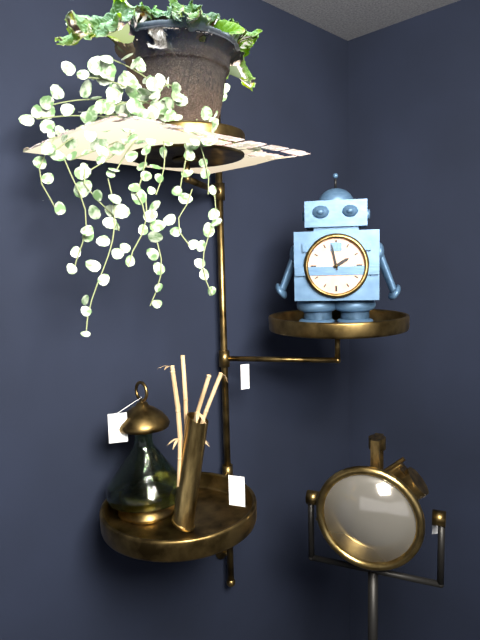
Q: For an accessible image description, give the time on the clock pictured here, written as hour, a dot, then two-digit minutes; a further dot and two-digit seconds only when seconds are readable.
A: 1.58
